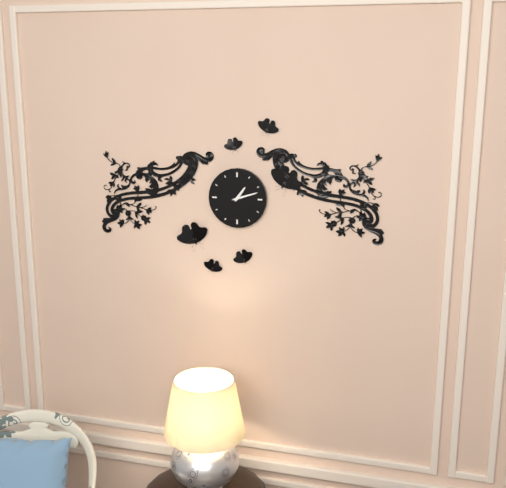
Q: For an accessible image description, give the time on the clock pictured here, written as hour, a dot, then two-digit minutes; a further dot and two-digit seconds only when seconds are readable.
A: 1.12
